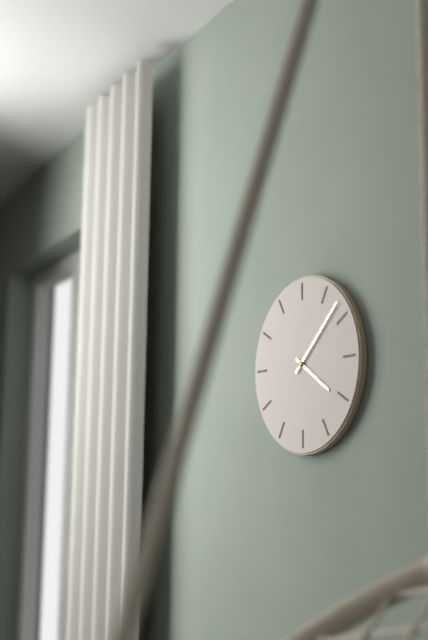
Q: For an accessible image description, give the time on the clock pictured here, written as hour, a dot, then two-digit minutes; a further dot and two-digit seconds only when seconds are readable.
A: 4.08
